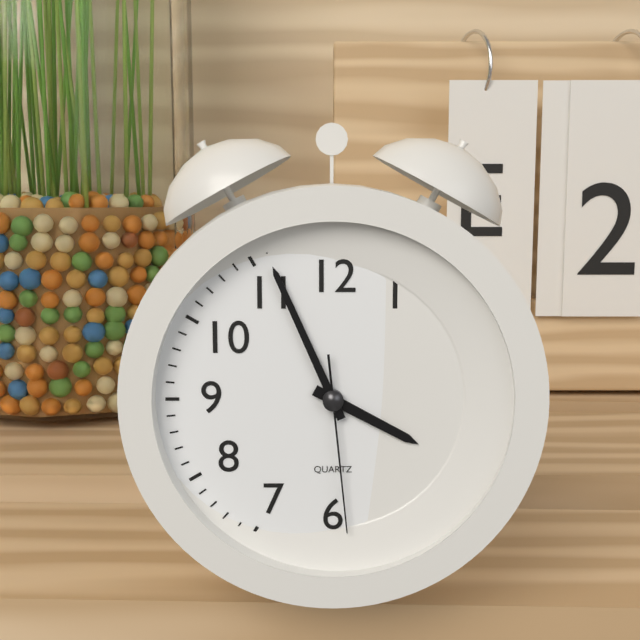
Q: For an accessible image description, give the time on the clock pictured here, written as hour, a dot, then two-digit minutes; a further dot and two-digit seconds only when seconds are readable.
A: 3.56.29
